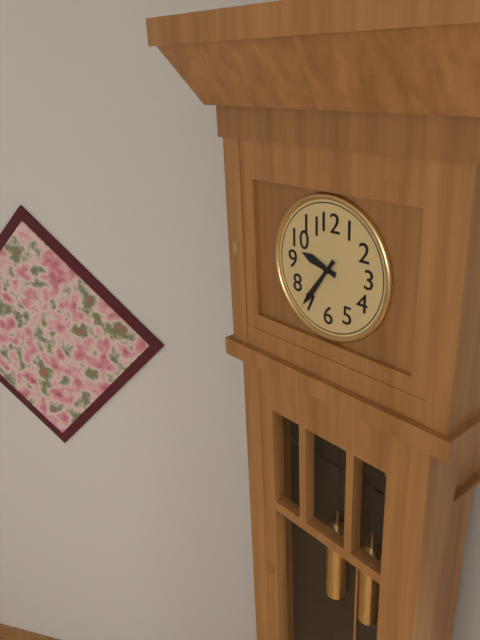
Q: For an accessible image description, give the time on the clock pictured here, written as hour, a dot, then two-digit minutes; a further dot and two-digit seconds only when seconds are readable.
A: 9.36
